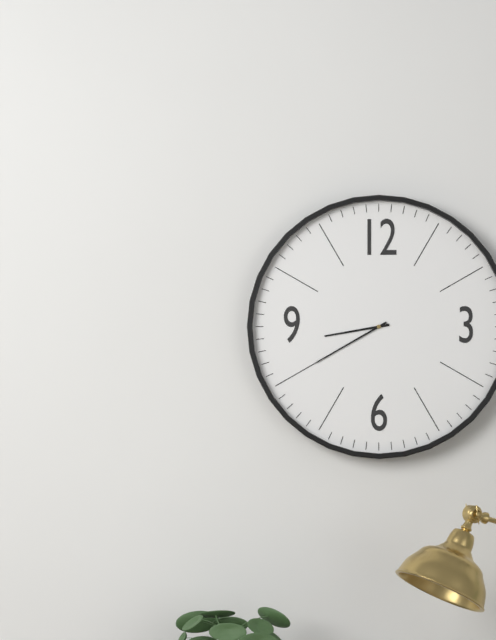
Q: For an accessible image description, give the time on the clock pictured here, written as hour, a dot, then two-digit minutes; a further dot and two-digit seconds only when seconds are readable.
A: 8.40
